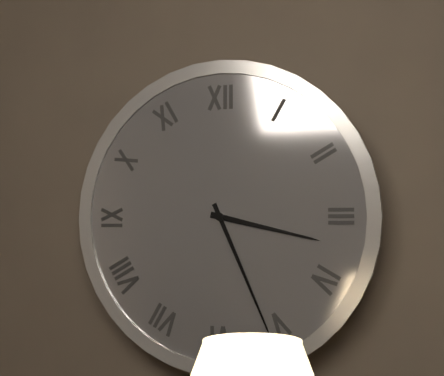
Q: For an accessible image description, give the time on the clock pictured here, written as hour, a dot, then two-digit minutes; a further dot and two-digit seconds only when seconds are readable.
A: 3.26
